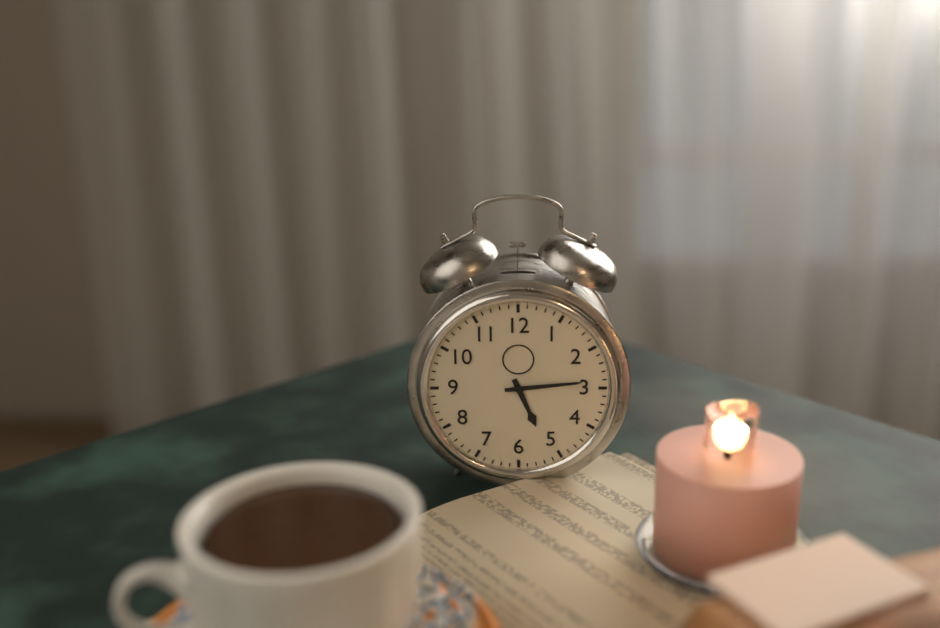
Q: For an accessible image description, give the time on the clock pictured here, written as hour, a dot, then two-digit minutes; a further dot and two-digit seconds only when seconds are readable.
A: 5.14
